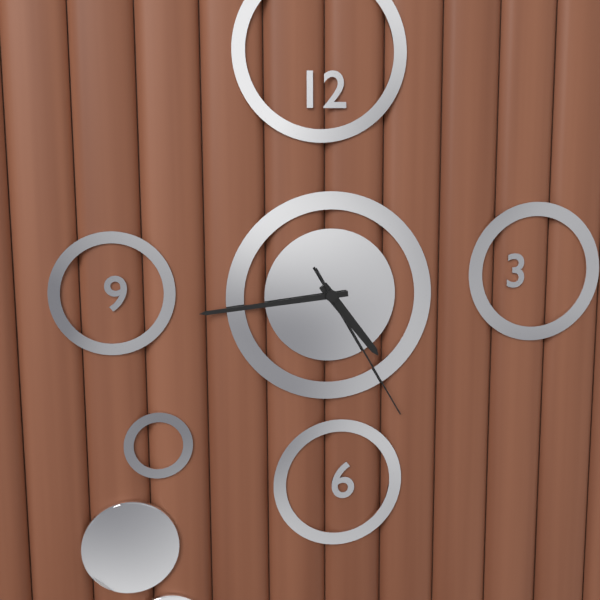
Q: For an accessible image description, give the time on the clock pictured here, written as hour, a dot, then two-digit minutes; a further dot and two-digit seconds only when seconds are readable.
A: 4.44.25
